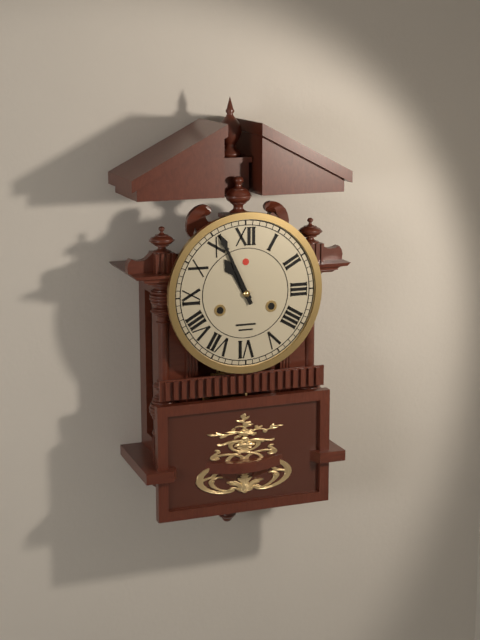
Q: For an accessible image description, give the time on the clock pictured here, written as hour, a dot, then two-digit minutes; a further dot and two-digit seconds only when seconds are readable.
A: 10.56
